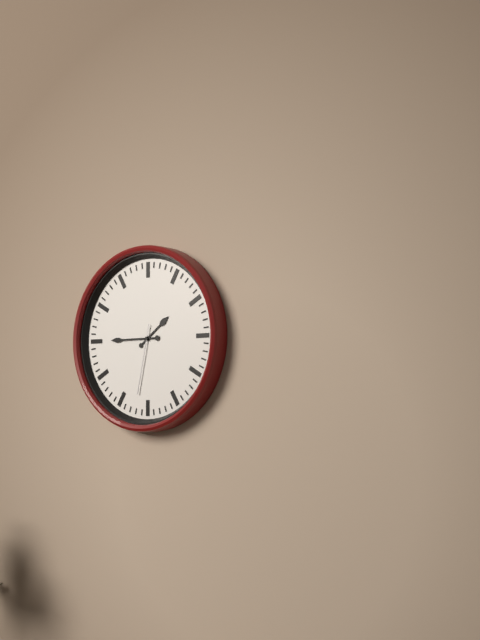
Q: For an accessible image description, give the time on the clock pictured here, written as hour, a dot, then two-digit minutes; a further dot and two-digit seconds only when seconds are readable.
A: 1.45.32
